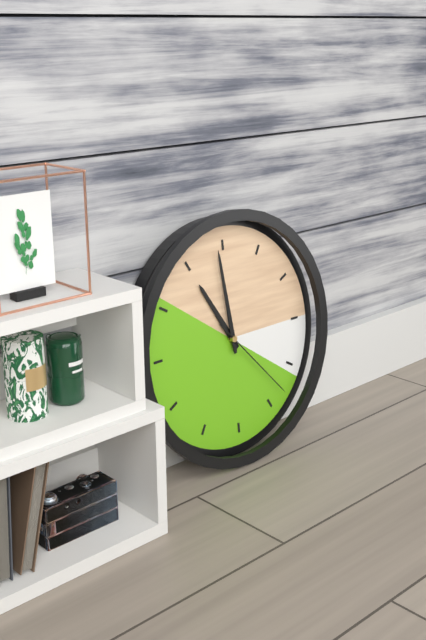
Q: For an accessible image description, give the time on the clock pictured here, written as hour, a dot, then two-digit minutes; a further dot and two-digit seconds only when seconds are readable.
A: 10.59.23
